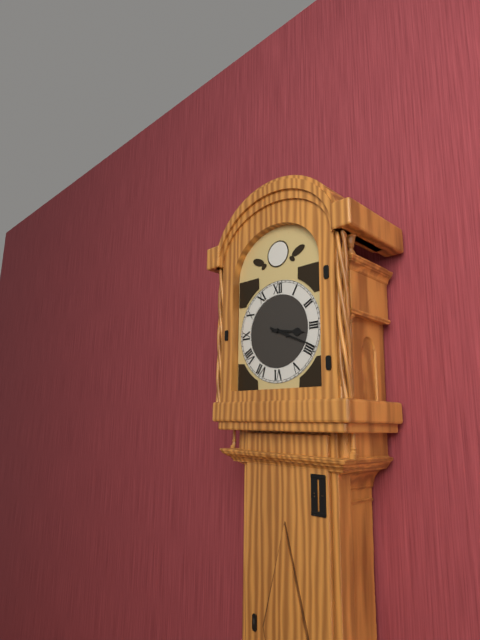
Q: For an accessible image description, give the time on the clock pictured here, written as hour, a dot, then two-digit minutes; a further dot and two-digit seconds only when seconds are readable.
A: 3.19
